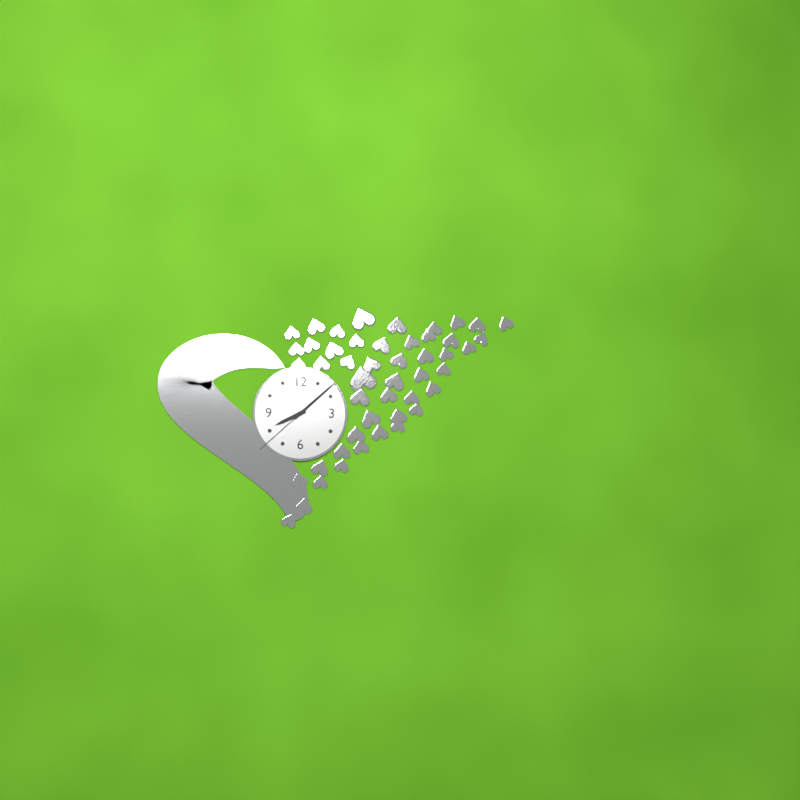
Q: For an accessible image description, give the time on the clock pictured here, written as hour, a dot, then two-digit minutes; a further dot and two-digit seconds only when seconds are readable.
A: 8.08.38
